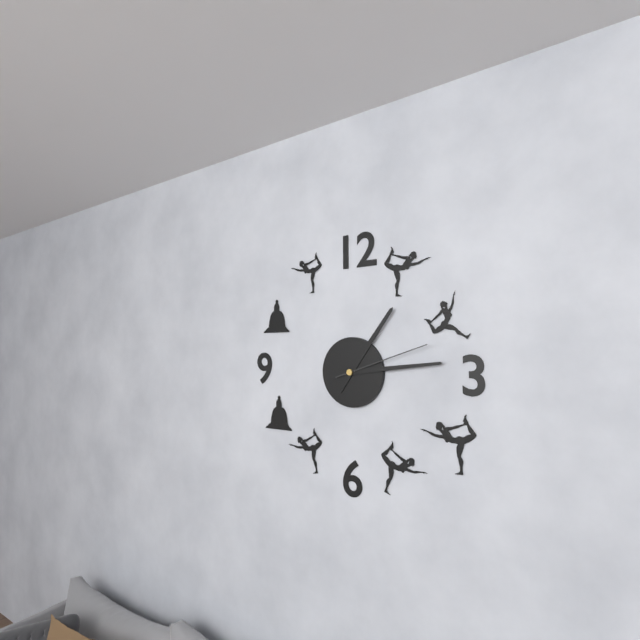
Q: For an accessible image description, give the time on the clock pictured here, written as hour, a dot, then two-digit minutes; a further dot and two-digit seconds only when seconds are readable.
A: 1.14.12
